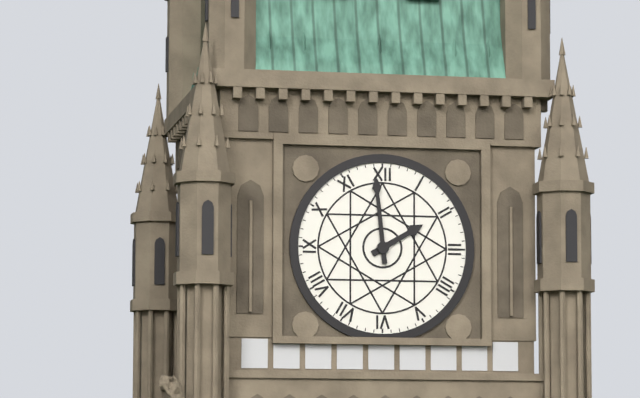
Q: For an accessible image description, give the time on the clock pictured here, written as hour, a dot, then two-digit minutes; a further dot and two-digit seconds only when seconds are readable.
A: 1.59
